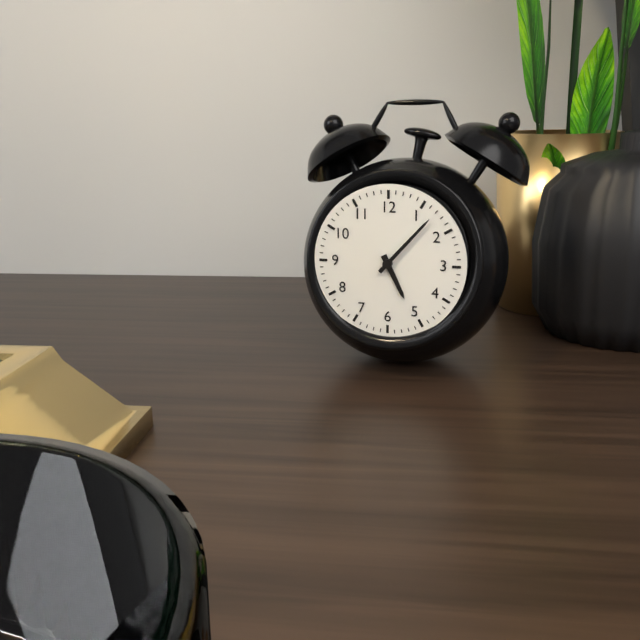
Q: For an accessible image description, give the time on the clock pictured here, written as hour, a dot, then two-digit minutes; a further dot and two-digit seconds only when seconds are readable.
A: 5.07
